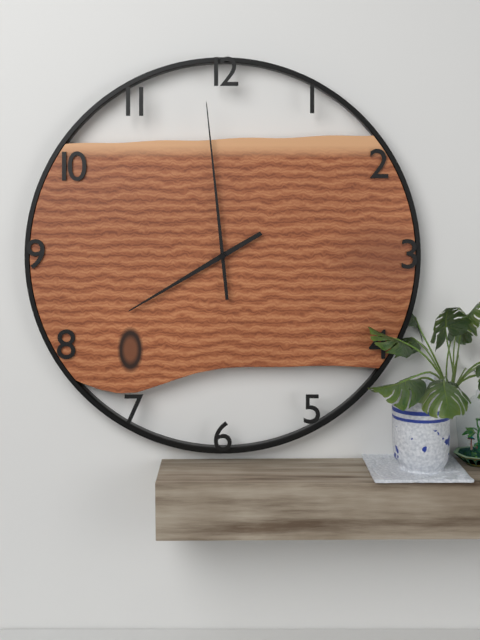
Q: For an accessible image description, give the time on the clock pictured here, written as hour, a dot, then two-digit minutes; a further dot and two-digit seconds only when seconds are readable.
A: 7.59
